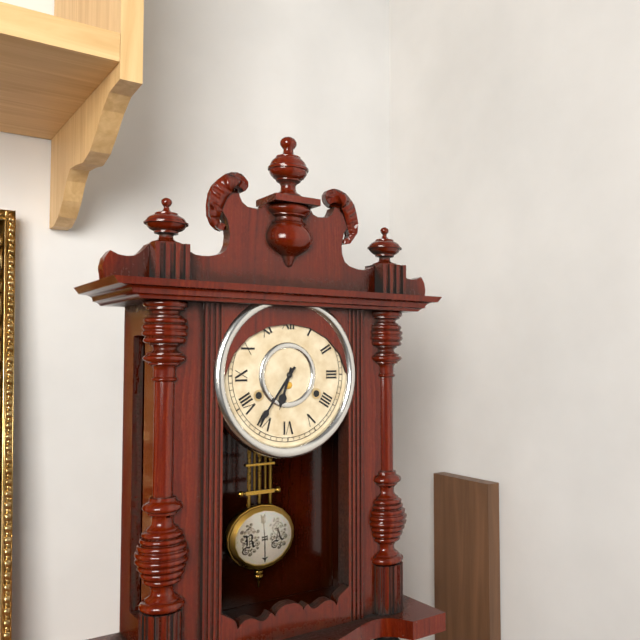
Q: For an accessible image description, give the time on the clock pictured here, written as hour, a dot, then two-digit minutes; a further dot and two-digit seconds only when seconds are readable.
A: 6.36
